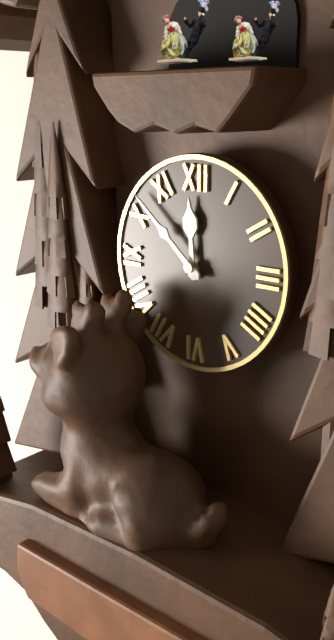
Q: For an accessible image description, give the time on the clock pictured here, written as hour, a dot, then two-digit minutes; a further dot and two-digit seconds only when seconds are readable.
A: 11.52
